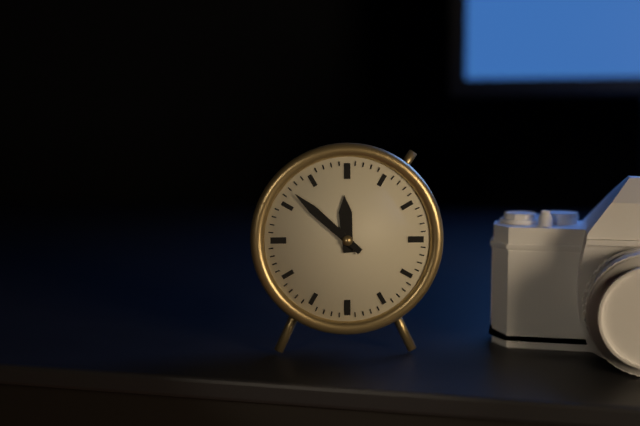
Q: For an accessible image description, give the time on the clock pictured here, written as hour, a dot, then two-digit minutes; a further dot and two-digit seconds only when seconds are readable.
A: 11.52
